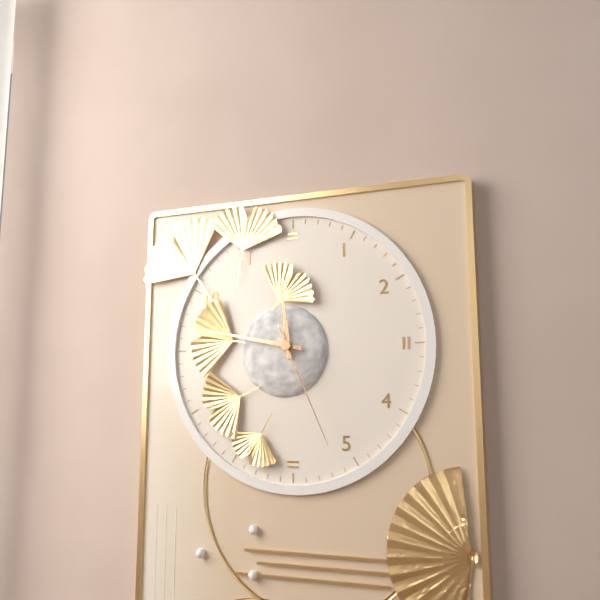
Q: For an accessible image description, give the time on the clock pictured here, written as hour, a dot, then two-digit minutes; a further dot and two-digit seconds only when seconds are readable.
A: 11.47.26
